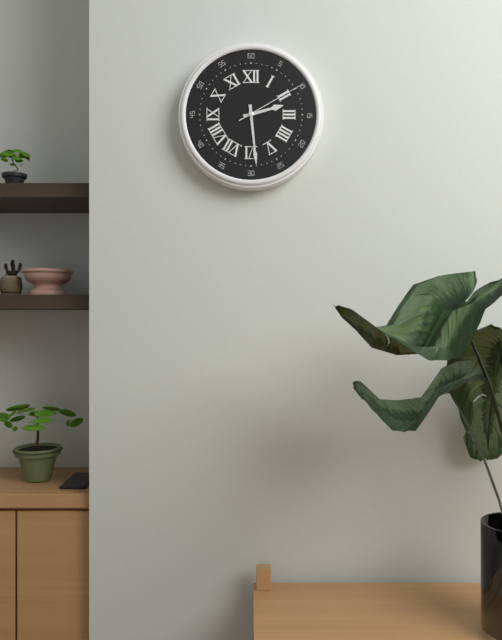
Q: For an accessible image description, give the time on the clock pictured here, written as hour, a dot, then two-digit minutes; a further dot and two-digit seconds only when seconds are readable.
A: 2.29.10
